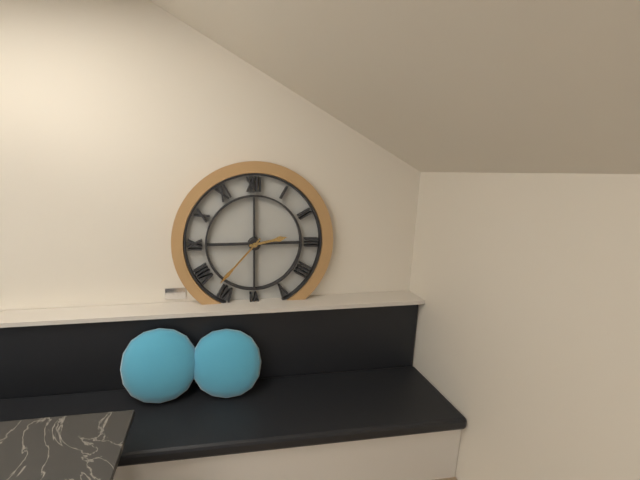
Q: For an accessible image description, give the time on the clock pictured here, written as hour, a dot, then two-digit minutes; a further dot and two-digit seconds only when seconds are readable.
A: 2.37
